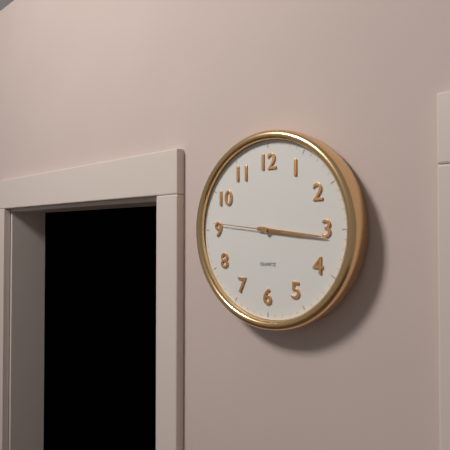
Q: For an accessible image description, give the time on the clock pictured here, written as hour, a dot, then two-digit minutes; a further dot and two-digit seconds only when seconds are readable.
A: 3.16.46
